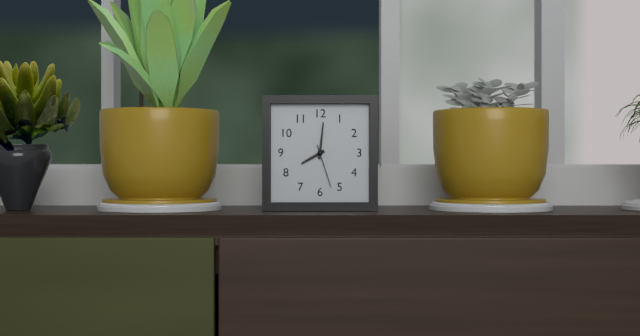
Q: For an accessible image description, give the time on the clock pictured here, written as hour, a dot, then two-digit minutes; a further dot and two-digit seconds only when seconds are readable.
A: 8.01
